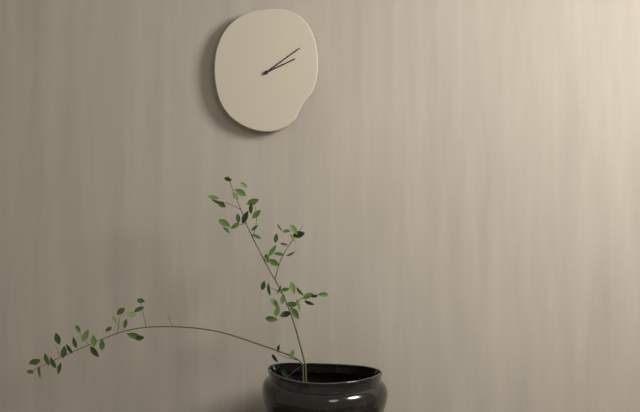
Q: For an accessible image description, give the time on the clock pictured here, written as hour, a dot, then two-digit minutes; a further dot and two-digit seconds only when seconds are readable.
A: 2.09
